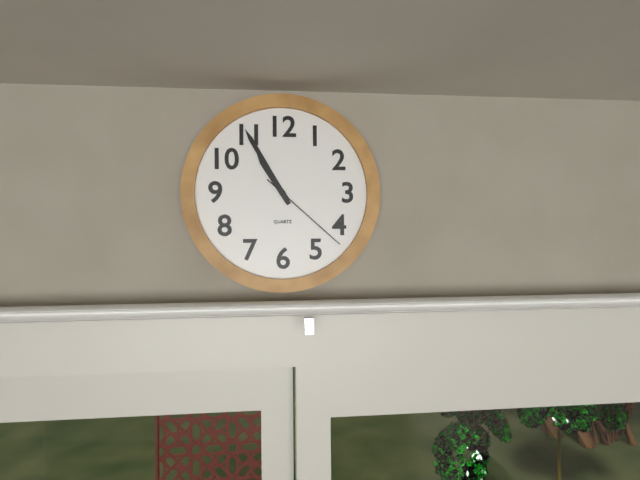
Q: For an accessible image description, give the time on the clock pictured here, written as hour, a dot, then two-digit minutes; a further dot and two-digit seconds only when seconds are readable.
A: 10.55.22
